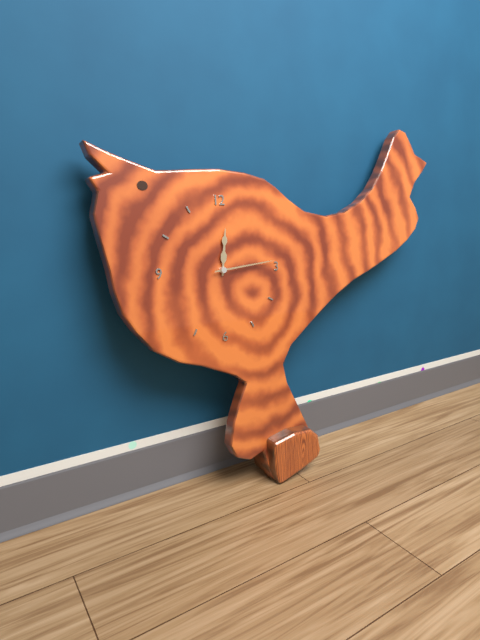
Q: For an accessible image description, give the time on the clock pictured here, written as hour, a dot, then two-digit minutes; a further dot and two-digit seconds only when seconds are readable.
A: 12.14
